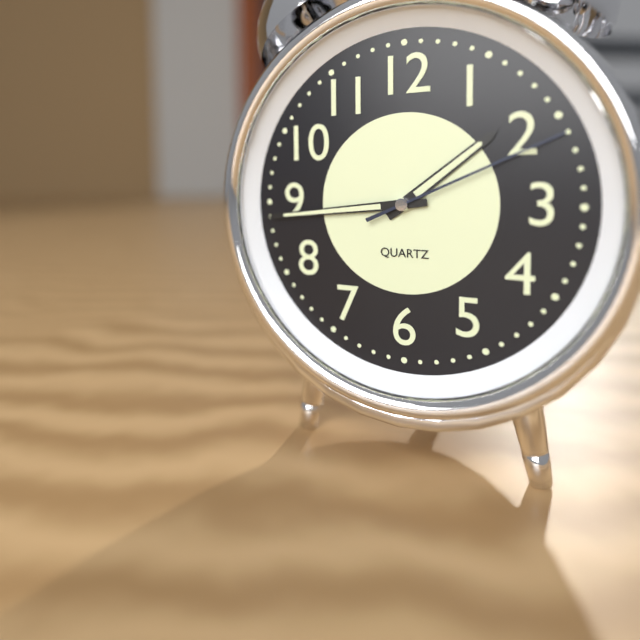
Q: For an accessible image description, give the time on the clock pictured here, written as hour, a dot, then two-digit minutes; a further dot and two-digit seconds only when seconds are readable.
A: 1.44.11
